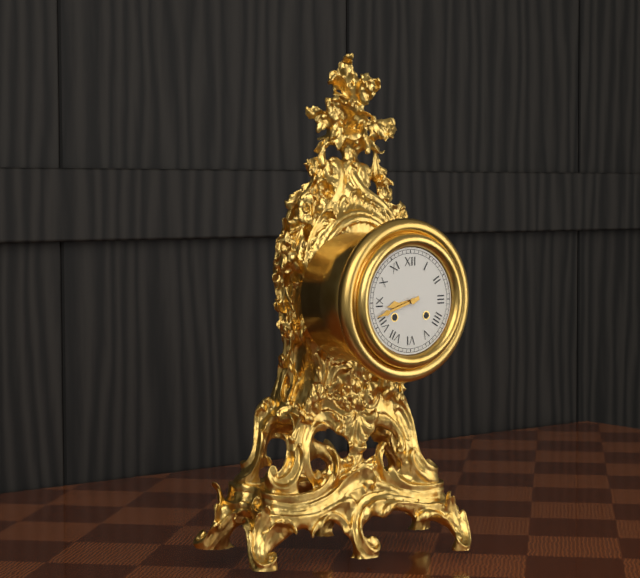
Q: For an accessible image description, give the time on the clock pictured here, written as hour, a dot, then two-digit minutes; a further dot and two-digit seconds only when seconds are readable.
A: 8.42
